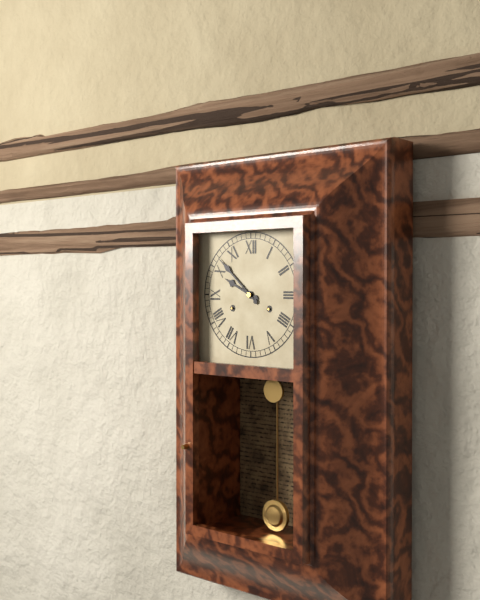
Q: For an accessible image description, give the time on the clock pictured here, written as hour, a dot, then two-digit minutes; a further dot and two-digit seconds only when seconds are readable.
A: 9.52
